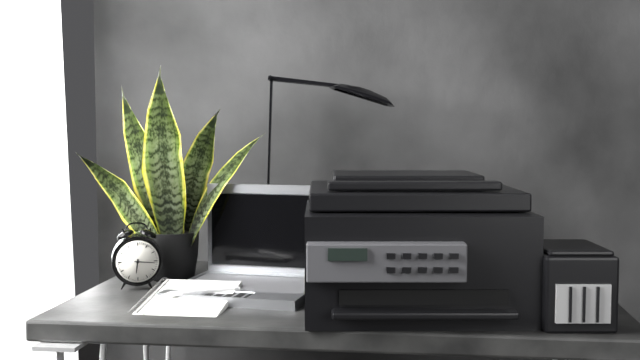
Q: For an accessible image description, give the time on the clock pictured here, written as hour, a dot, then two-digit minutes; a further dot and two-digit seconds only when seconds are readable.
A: 6.16
